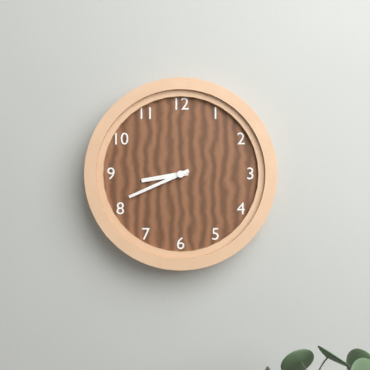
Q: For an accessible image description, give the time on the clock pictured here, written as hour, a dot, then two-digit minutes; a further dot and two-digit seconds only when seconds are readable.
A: 8.41
